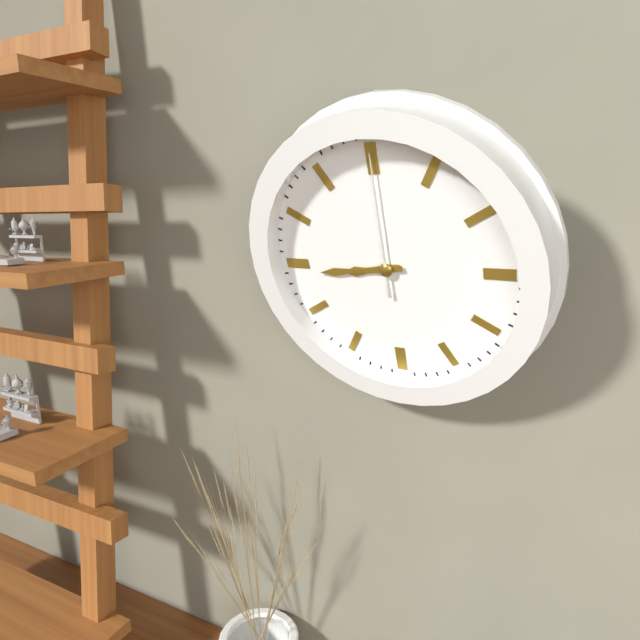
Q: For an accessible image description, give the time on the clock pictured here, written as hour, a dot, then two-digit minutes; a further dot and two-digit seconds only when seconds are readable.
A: 8.44.00
